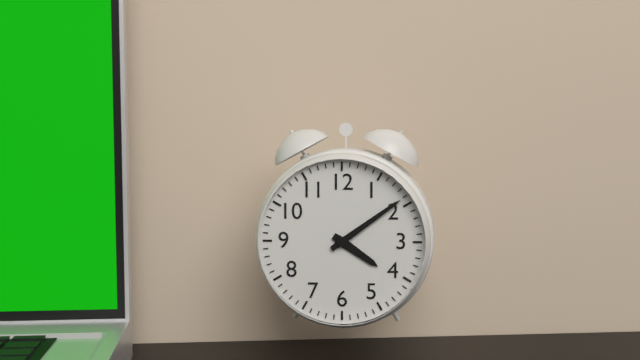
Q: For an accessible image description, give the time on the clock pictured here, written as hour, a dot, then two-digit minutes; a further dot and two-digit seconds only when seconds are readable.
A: 4.09
